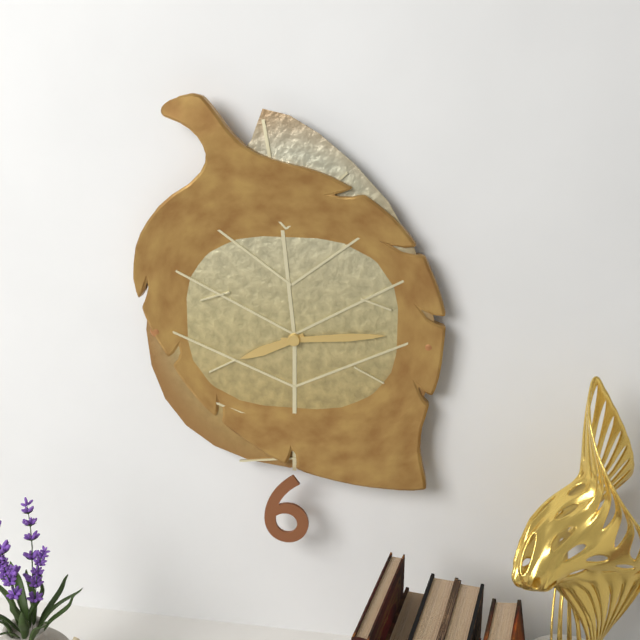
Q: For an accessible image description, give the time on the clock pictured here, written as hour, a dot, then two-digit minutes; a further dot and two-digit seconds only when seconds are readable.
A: 8.14
